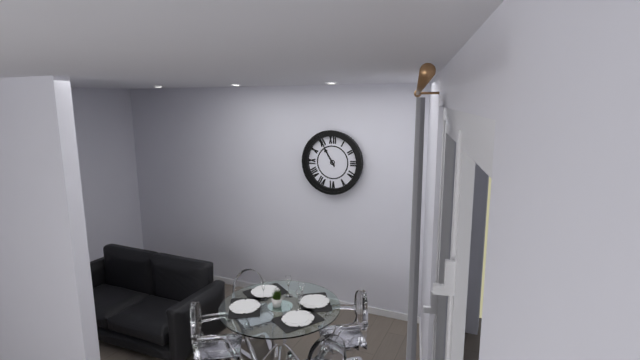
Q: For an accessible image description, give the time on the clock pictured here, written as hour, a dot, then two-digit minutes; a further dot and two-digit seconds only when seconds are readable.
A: 10.55
